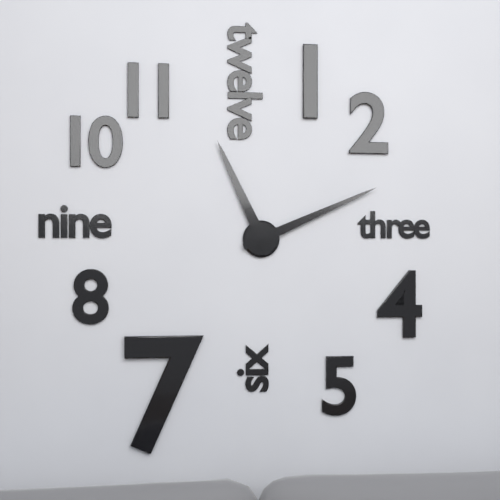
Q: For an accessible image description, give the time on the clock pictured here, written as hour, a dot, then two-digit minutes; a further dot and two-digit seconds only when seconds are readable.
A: 11.11
